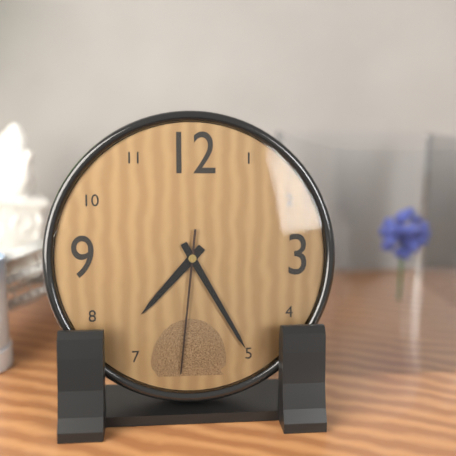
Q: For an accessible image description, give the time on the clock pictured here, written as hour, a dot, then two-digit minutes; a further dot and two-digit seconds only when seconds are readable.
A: 7.25.31
